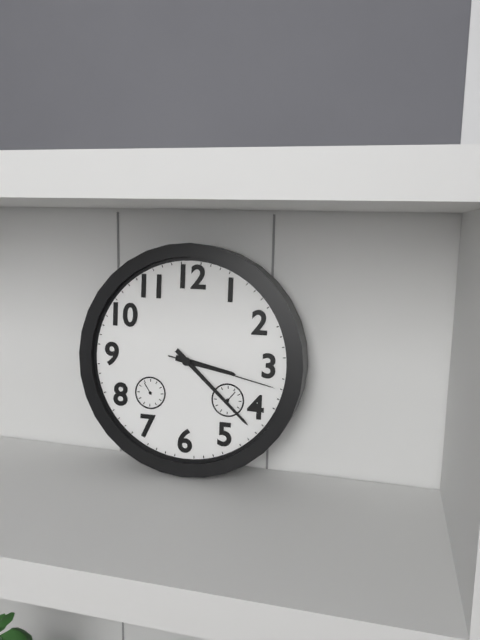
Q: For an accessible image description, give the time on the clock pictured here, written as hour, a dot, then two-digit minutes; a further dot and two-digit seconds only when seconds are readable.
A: 3.22.17
